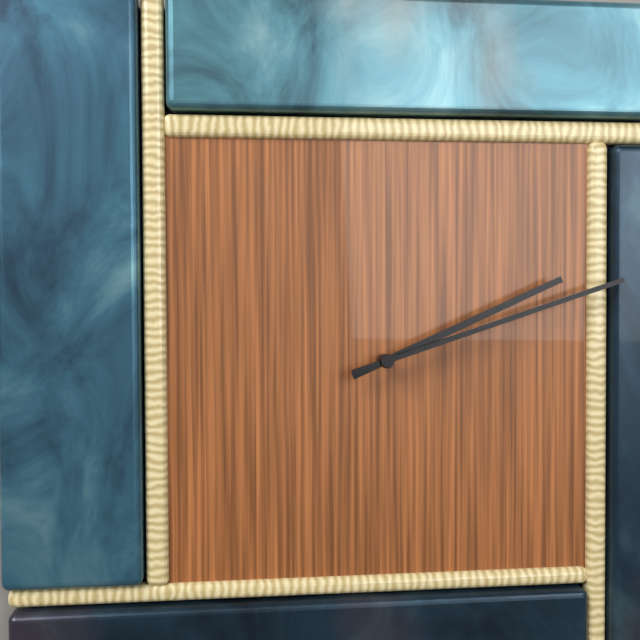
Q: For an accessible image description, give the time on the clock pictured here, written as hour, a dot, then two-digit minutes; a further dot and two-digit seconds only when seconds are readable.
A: 2.12
